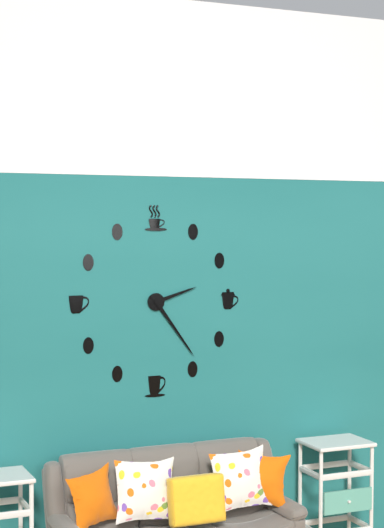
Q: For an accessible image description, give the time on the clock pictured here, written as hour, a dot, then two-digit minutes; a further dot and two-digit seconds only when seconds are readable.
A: 2.24
